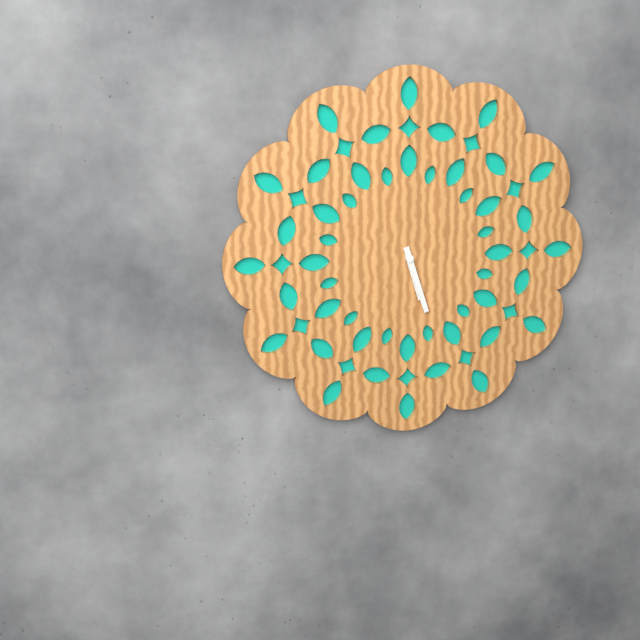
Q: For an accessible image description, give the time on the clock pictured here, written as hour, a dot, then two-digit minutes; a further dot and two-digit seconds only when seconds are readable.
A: 5.27
